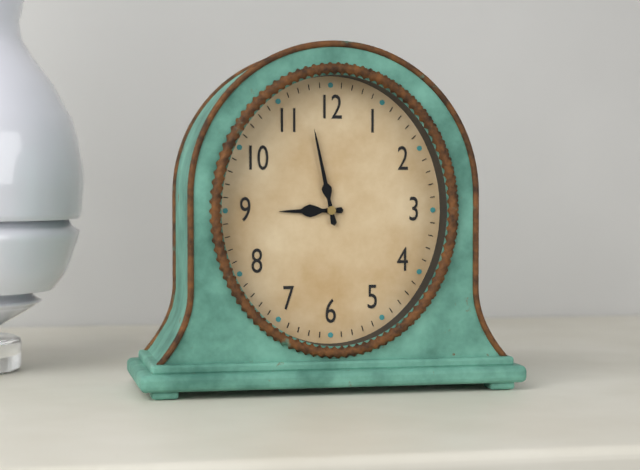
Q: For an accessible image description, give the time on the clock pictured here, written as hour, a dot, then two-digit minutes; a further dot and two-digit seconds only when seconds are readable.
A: 8.58
